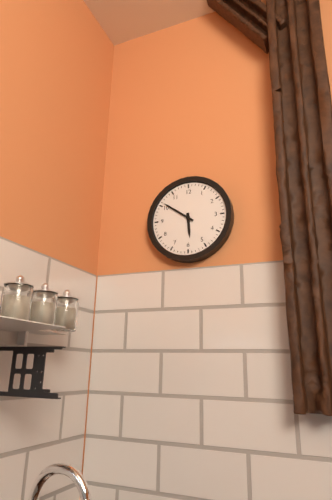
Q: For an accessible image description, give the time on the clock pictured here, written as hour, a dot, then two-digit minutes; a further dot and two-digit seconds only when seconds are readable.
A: 5.51
